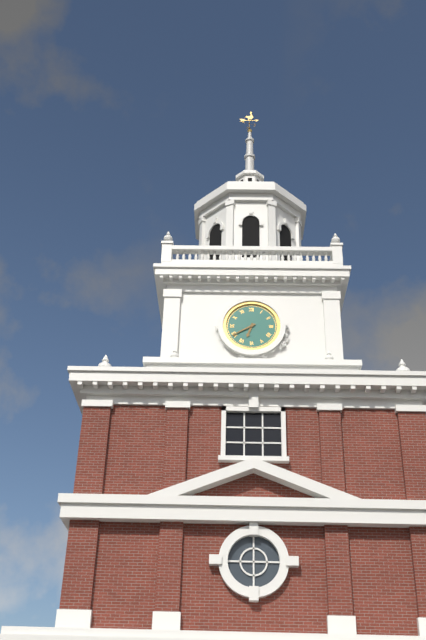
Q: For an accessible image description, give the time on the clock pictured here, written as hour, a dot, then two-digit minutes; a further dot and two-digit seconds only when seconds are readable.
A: 6.40
